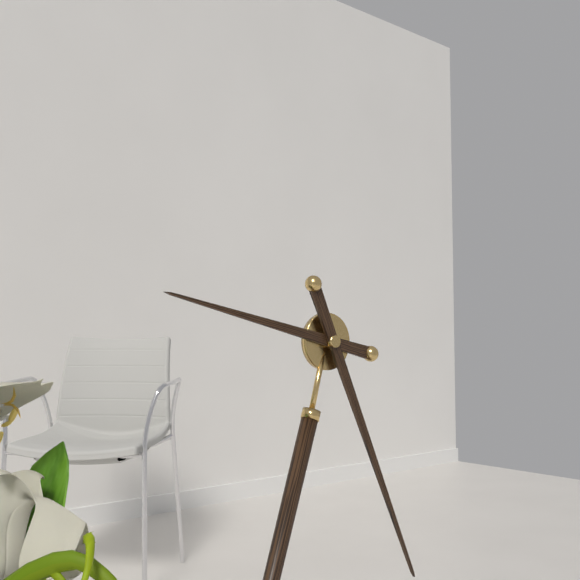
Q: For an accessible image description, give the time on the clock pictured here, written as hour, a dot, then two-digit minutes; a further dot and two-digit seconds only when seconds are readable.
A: 9.26
